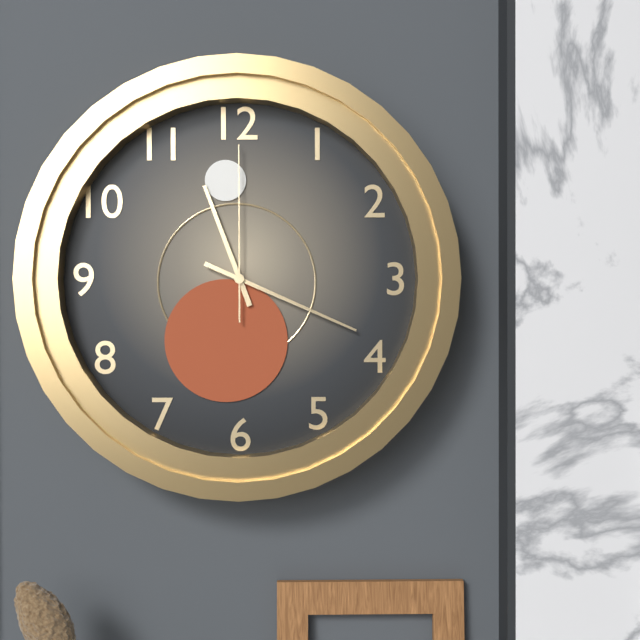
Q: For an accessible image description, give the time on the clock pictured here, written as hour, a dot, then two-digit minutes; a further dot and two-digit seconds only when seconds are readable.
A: 11.19.00
